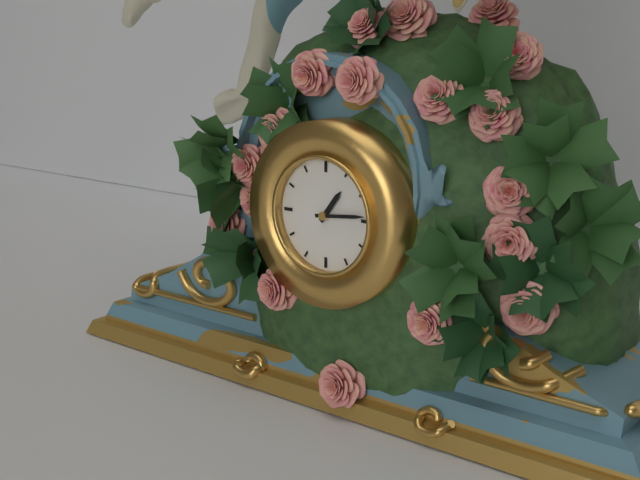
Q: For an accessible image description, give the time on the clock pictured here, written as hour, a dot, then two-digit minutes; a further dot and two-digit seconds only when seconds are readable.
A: 1.14
